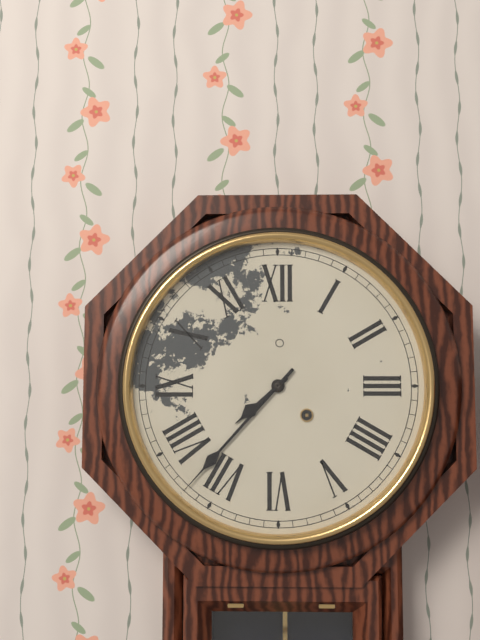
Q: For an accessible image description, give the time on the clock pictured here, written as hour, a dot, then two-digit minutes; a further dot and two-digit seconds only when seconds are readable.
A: 7.37
